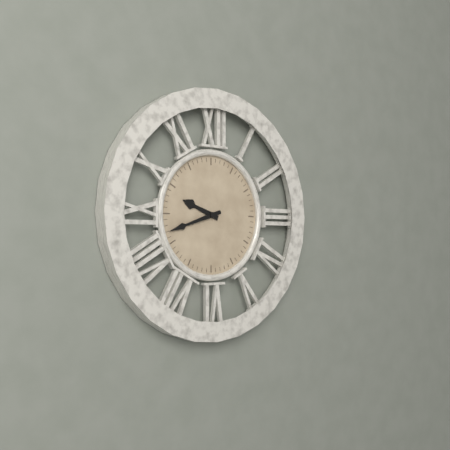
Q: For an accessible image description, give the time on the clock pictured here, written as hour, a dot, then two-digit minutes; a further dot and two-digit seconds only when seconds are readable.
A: 9.42
